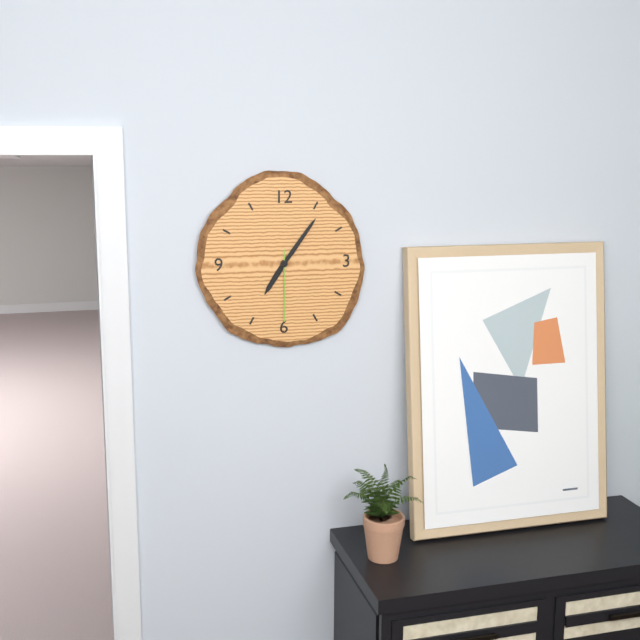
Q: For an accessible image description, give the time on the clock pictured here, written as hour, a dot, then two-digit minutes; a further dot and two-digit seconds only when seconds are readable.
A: 7.06.30
